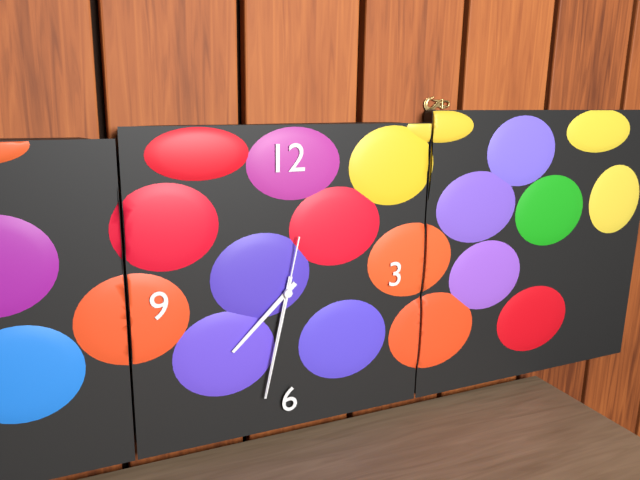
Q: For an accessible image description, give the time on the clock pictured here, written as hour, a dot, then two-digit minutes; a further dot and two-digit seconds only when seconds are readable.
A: 7.32.32
